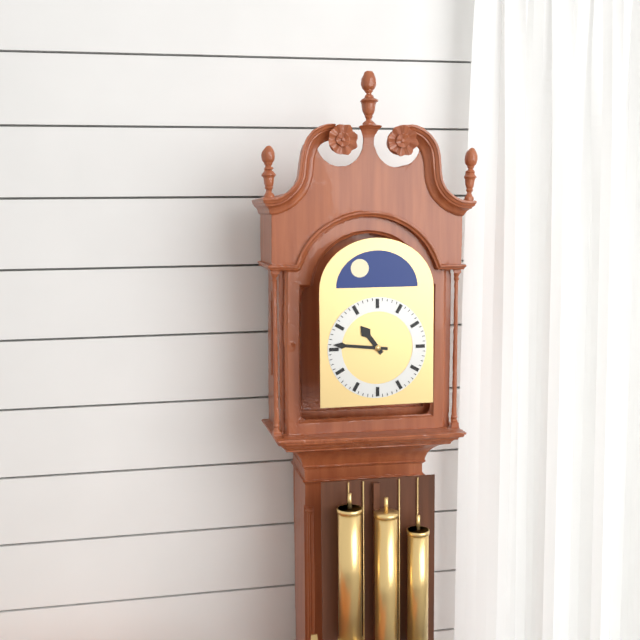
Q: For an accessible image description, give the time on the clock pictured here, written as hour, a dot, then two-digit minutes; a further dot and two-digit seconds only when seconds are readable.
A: 10.46
